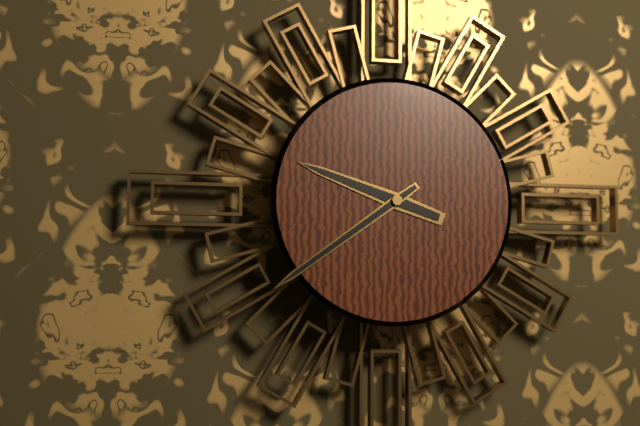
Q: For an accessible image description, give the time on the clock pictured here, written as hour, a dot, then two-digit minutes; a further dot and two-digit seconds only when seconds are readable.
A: 9.39
